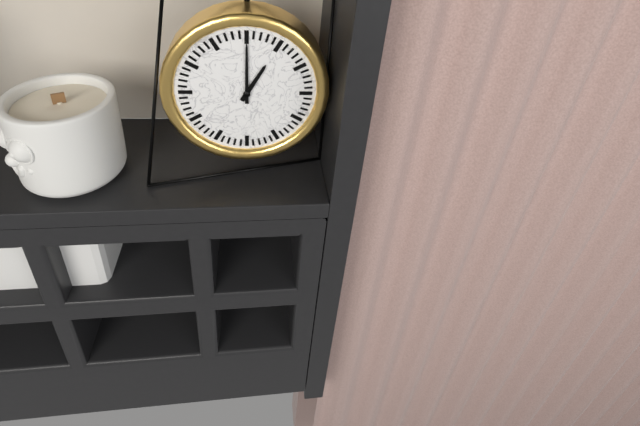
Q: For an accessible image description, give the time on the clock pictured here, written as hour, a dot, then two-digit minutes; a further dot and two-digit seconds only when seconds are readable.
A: 1.00
